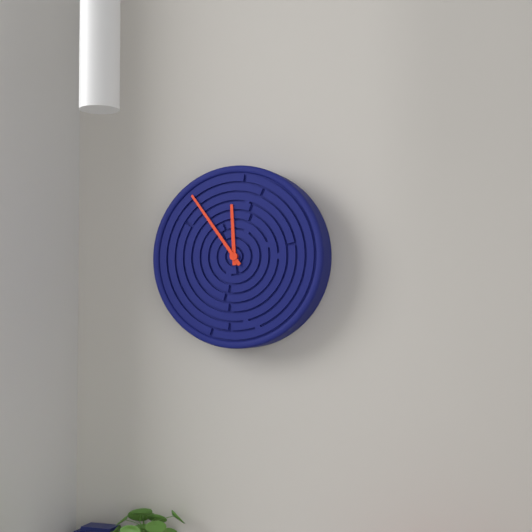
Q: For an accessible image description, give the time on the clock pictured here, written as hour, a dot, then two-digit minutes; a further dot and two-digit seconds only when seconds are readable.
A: 11.54
